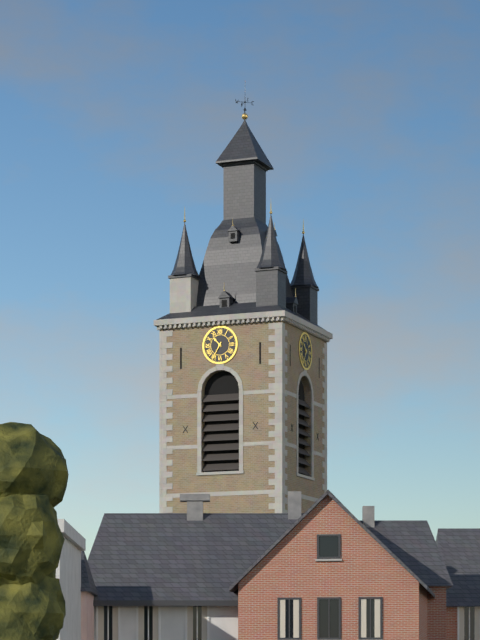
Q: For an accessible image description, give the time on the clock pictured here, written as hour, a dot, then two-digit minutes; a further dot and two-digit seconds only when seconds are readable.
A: 10.35
